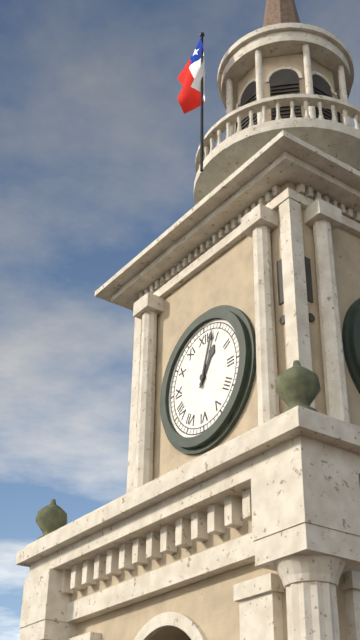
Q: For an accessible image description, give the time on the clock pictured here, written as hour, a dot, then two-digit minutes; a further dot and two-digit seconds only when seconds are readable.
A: 1.03
